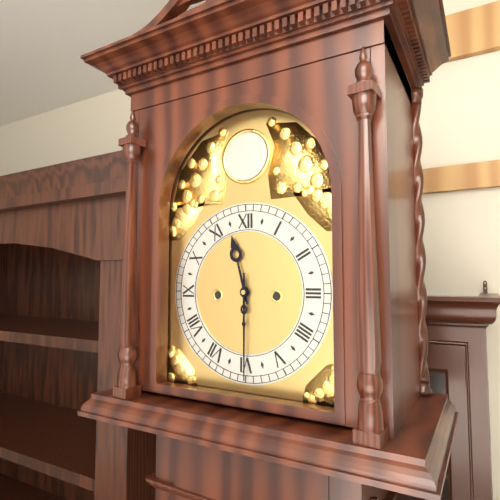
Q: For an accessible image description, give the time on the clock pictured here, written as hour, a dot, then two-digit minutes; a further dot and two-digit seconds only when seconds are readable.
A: 11.30
